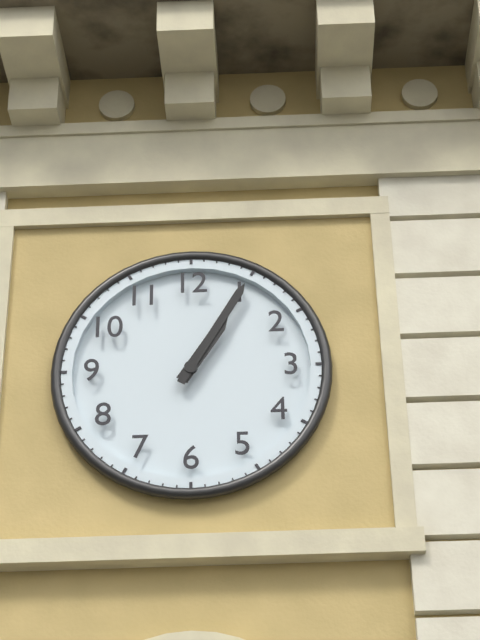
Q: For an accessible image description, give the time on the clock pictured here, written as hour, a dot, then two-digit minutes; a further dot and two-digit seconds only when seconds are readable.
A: 1.05
